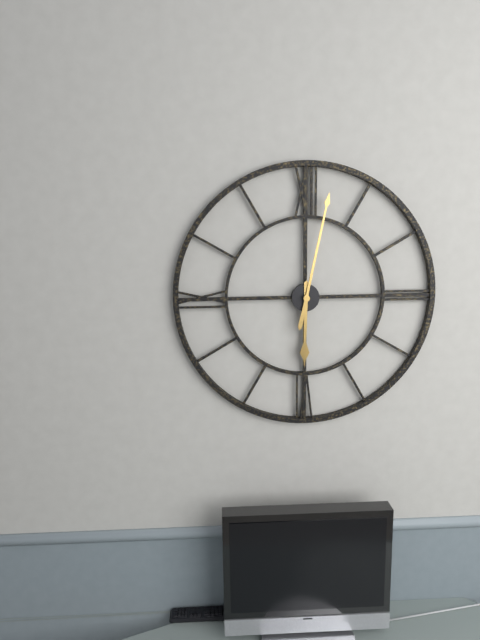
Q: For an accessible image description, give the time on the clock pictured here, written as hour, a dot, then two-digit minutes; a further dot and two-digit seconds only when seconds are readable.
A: 6.02
